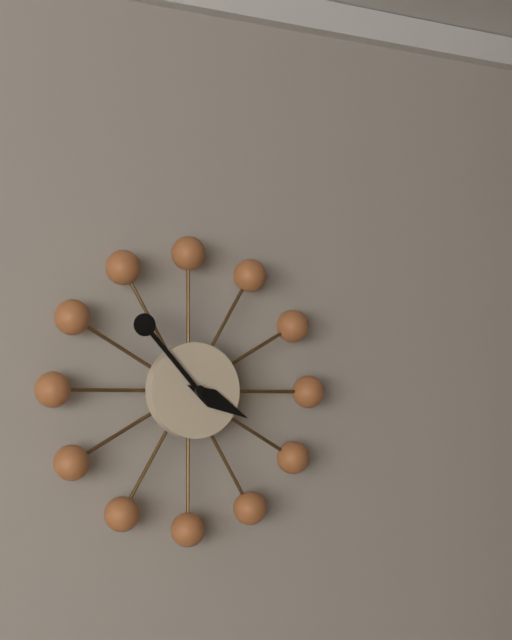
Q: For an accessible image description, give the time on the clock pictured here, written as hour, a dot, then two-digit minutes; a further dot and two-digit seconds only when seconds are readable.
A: 3.53
